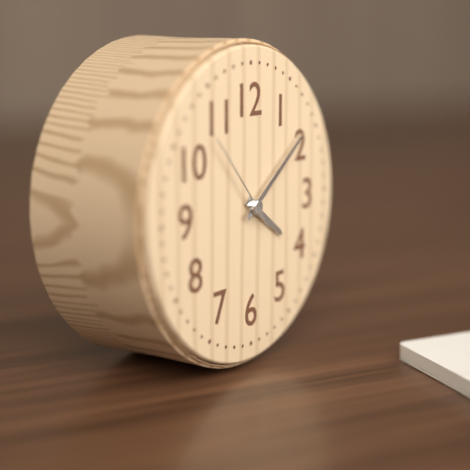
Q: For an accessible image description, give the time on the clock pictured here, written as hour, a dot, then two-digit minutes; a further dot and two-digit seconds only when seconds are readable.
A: 4.09.53
